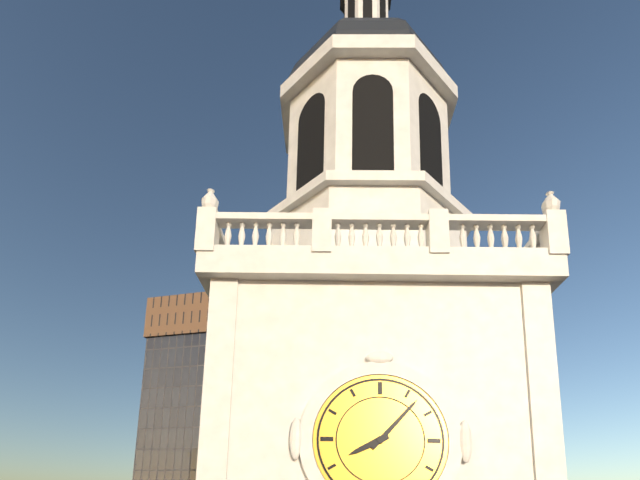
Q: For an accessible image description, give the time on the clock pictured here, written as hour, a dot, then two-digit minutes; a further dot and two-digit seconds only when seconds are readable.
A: 8.07
